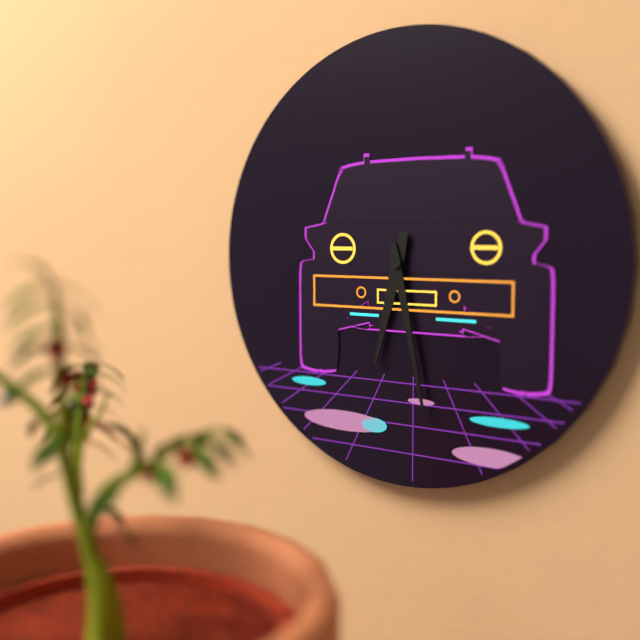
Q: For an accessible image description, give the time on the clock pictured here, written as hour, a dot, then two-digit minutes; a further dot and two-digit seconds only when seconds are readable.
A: 6.28
